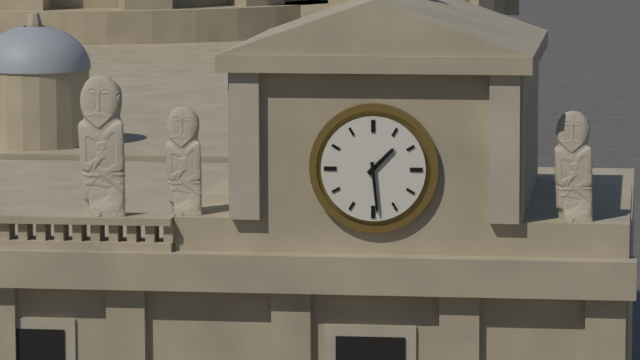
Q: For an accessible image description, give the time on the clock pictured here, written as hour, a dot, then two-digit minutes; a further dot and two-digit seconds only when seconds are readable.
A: 1.29
